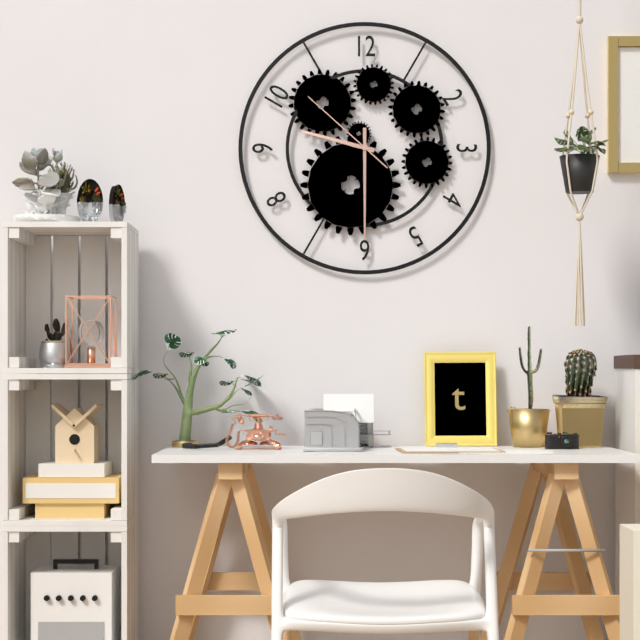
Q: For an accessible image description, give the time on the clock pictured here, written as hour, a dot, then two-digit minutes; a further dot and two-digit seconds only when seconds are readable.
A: 9.30.52
